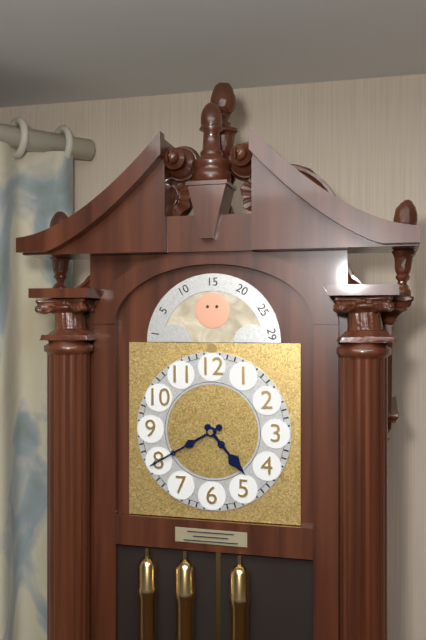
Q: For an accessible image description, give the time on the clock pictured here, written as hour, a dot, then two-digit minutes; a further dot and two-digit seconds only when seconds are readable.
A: 4.40
